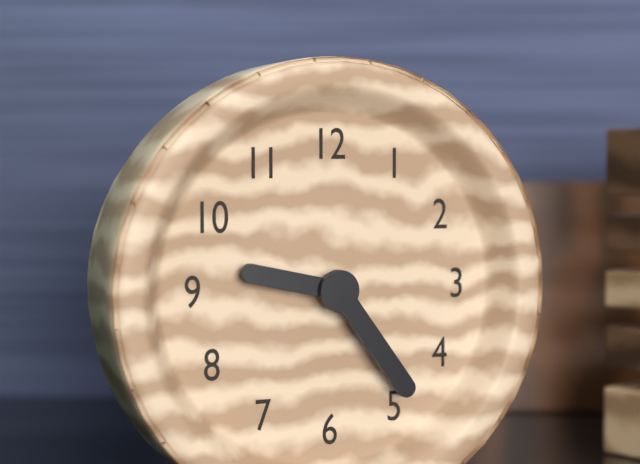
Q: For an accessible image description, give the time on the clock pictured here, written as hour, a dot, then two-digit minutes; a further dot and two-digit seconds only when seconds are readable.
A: 9.24
